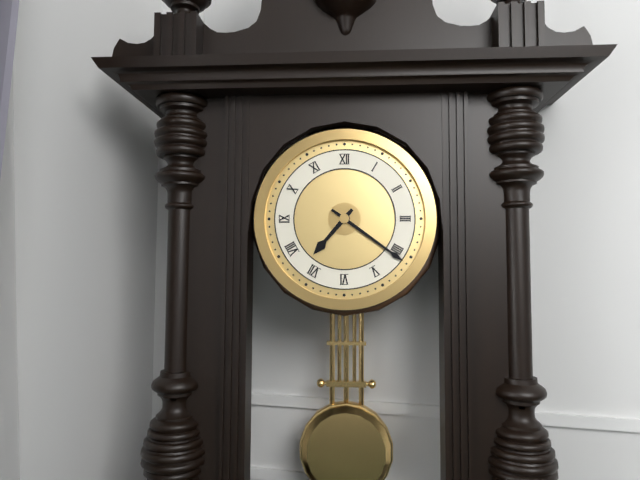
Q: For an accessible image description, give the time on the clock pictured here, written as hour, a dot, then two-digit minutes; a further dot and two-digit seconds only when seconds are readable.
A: 7.21
